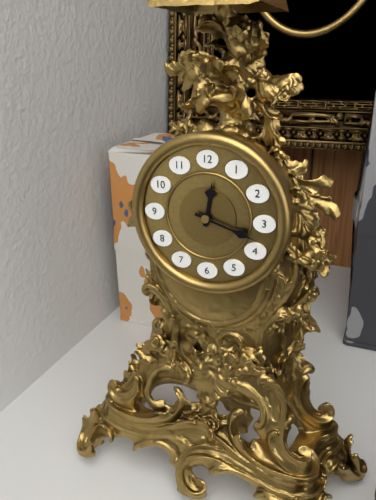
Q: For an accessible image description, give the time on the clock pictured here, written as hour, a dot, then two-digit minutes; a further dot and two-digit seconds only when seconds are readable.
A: 12.18
